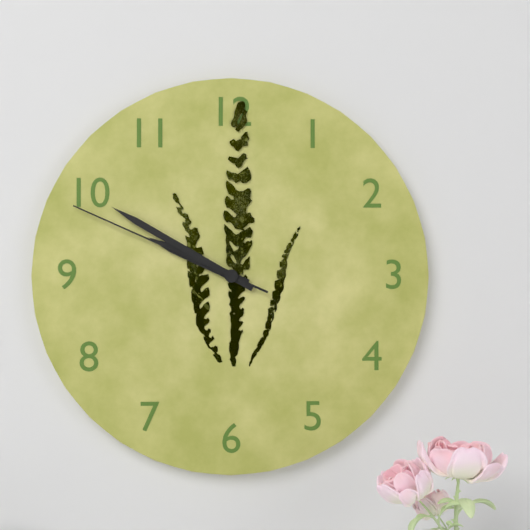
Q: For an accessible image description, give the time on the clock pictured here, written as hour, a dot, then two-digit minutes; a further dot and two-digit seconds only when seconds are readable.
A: 9.50.49
